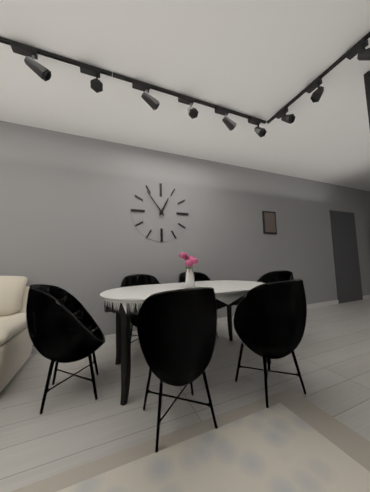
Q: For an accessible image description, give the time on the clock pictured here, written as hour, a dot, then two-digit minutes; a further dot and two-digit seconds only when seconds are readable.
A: 12.54
